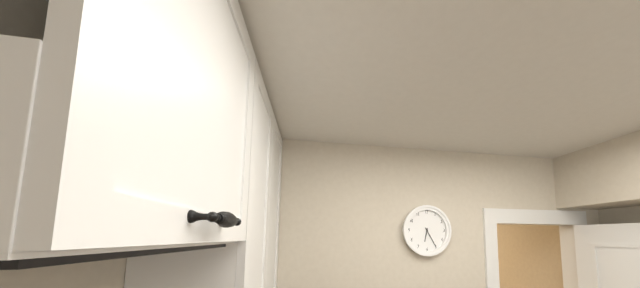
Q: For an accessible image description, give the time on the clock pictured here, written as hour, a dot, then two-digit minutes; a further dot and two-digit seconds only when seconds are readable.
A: 6.25
